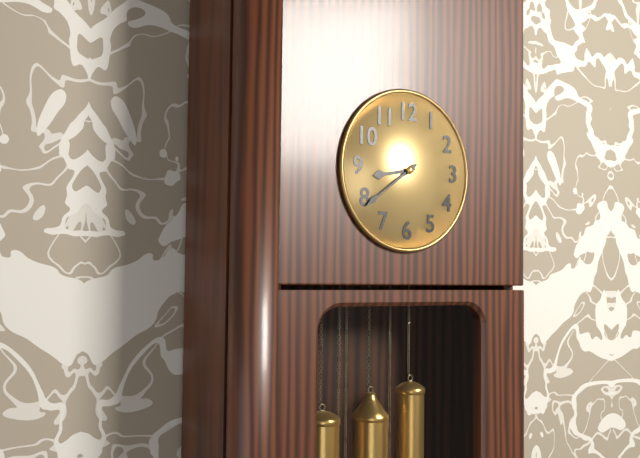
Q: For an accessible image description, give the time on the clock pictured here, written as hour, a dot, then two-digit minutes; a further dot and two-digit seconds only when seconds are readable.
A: 8.39
